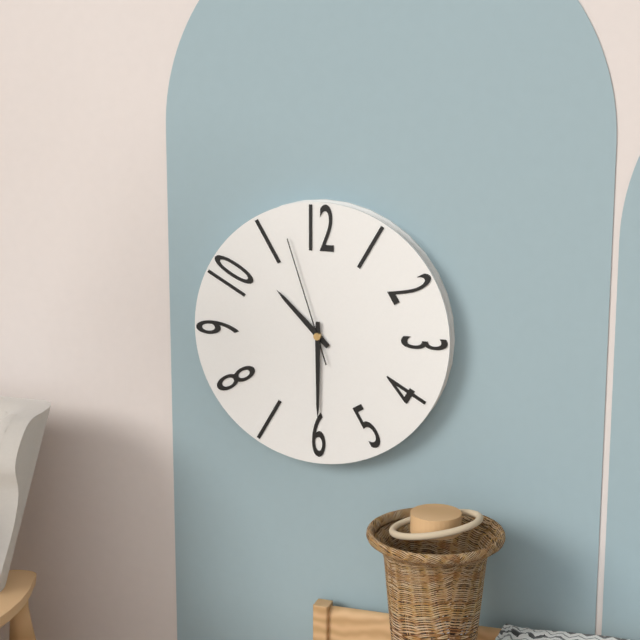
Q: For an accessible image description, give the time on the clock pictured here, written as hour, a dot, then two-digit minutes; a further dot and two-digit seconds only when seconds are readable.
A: 10.30.57
